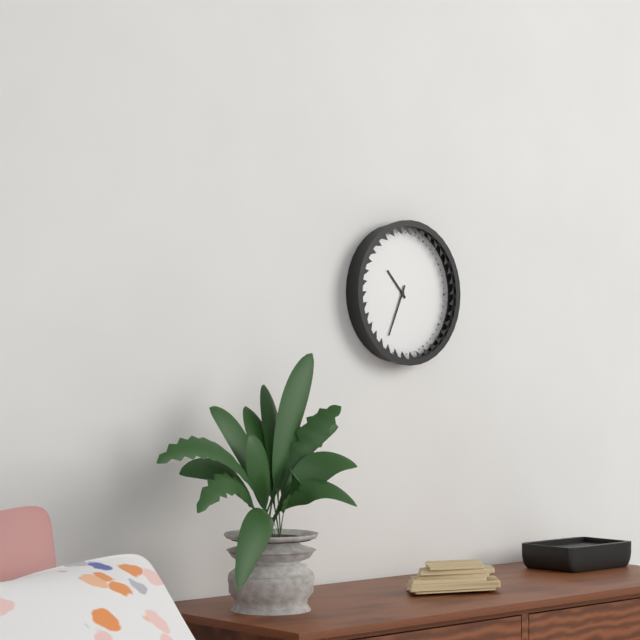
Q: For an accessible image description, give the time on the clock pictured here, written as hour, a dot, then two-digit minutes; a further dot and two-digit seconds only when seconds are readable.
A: 10.34
